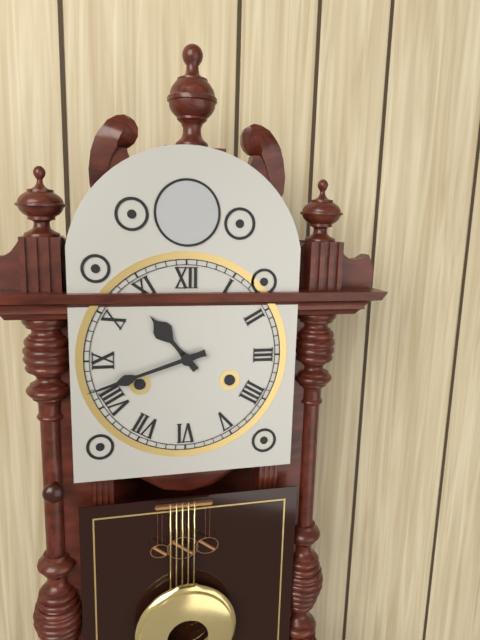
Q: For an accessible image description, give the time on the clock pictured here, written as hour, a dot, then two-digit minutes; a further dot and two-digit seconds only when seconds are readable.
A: 10.42
